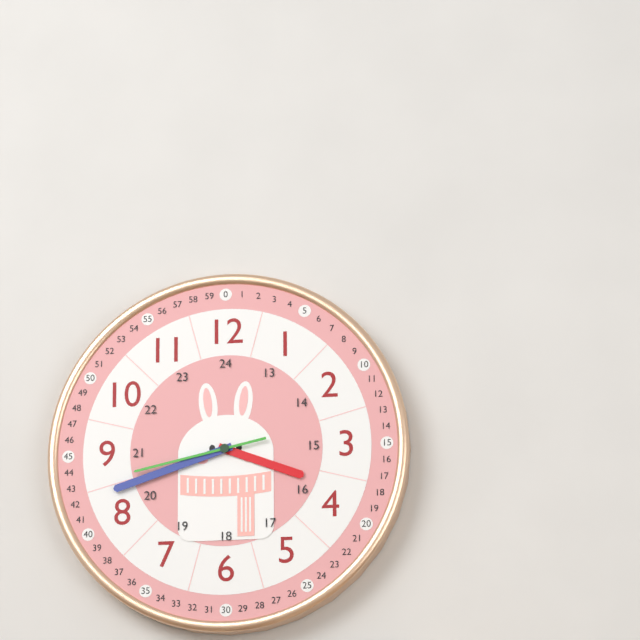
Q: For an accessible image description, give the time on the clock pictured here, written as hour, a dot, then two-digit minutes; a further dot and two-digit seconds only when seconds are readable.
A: 3.42.43
